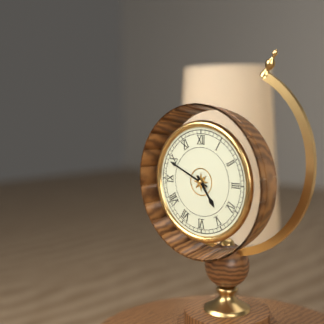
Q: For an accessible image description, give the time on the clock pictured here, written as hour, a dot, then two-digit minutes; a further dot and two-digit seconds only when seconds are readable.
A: 4.49
